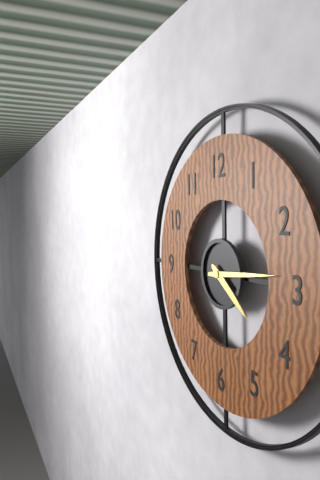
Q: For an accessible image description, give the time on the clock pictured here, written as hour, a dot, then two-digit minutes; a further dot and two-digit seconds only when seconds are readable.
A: 4.14
